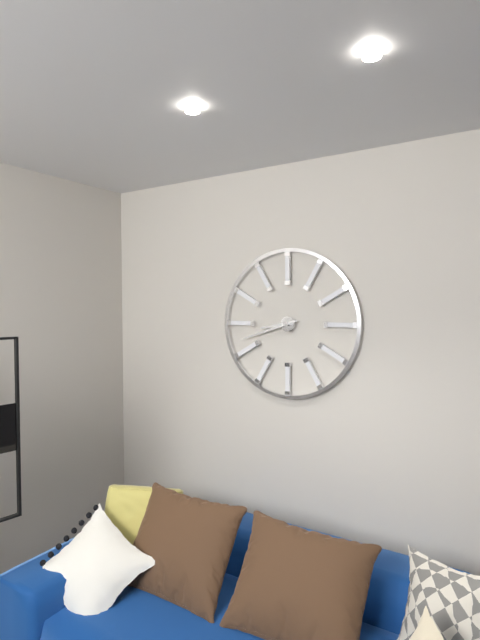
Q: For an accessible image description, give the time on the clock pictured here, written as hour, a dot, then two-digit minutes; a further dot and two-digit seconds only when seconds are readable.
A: 8.42
